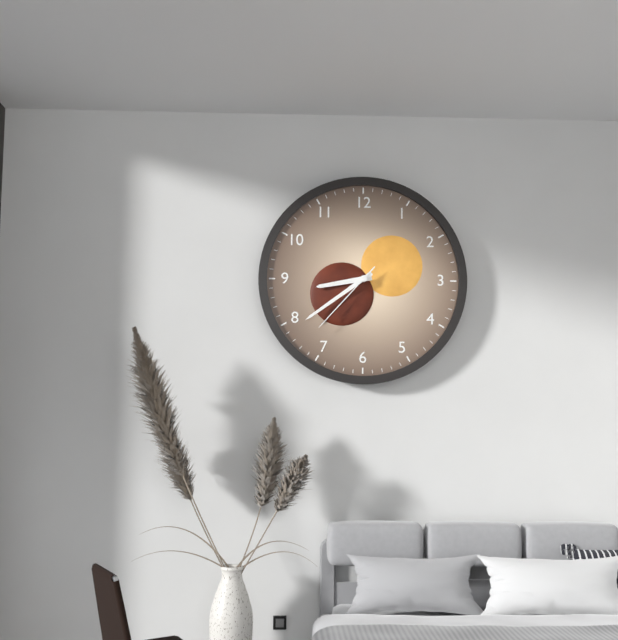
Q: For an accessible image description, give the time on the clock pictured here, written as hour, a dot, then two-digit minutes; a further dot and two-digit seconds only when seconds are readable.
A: 8.39.37
